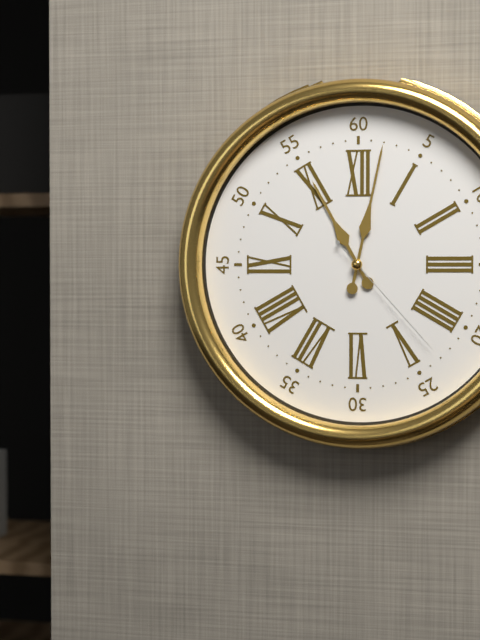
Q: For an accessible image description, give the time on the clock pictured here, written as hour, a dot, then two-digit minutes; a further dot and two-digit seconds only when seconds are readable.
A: 11.02.23
